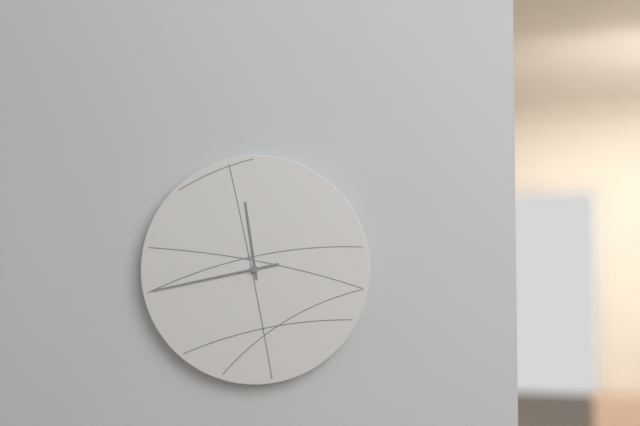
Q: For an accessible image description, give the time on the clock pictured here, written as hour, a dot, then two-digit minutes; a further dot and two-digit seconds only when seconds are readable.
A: 11.43
